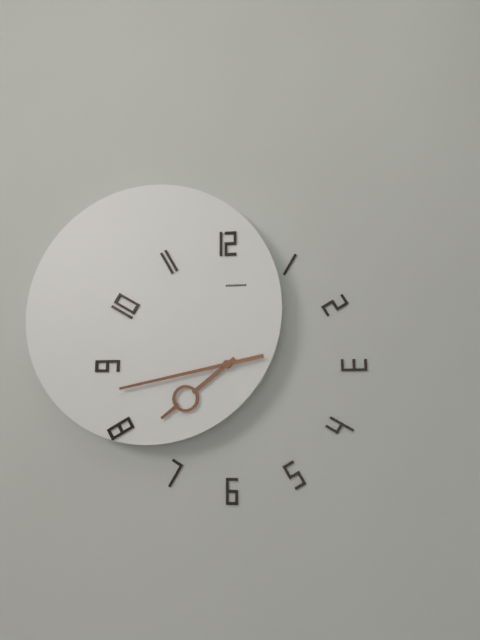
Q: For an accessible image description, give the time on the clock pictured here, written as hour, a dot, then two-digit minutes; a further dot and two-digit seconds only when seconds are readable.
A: 7.43
